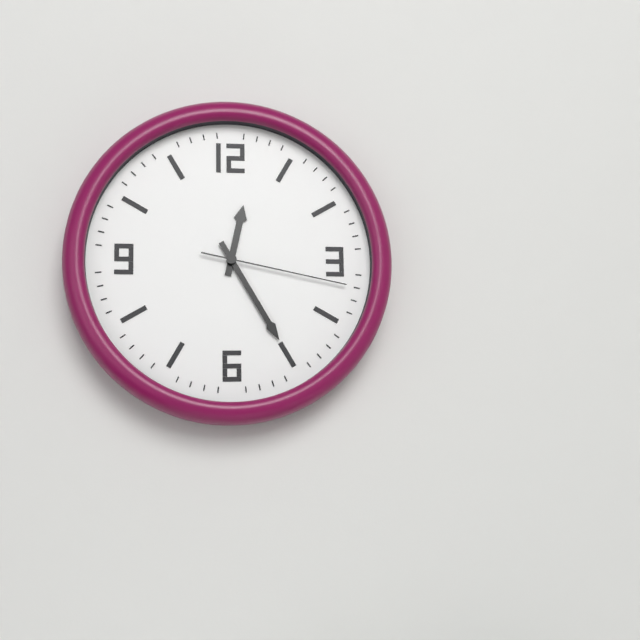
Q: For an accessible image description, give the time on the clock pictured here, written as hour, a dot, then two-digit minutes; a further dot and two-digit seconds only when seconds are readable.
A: 12.25.17
